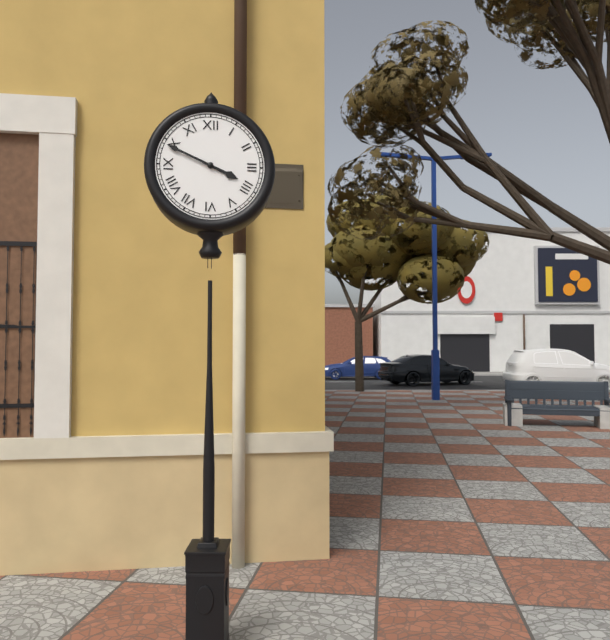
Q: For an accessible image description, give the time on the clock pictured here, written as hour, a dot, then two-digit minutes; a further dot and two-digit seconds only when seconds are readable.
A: 3.49
